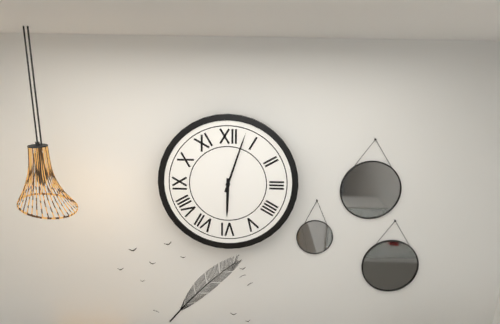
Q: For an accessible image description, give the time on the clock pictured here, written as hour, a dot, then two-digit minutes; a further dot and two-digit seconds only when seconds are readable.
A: 6.03
